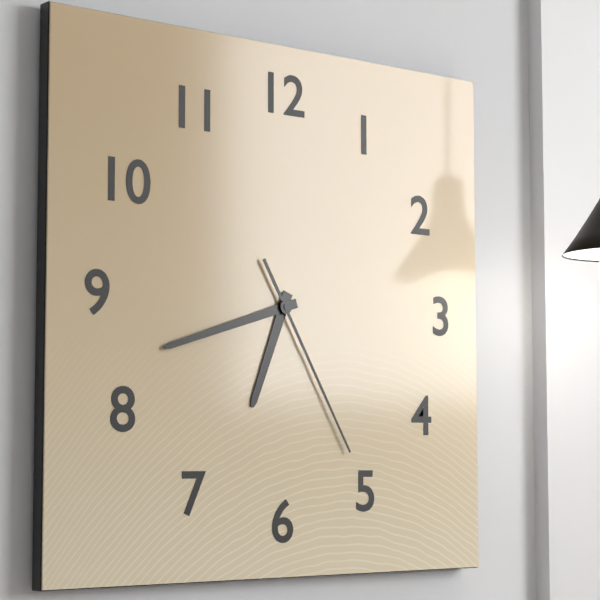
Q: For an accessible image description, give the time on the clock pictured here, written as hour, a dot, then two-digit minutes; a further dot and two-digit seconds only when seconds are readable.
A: 6.42.25
